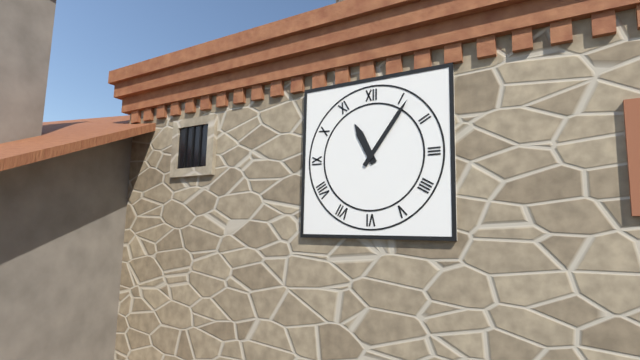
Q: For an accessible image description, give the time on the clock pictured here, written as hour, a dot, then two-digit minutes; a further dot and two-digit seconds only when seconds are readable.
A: 11.06
